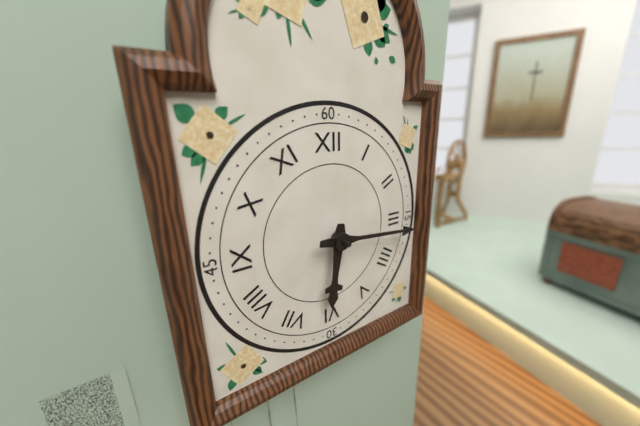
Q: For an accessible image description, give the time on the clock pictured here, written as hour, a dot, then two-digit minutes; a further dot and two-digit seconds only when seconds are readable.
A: 6.16
